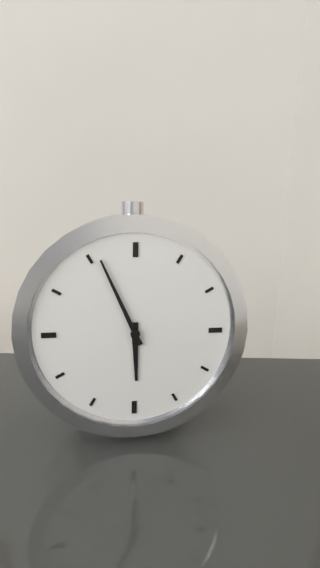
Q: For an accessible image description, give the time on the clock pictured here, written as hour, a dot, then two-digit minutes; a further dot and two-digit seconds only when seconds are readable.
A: 5.56
